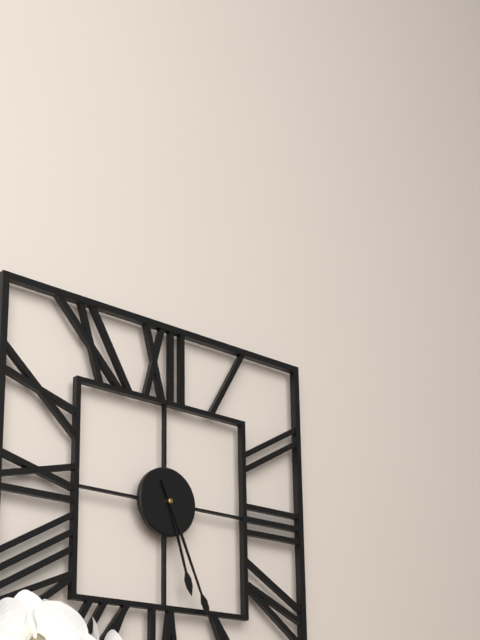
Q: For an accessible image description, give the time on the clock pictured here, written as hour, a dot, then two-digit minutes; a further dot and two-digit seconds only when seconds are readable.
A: 5.26
